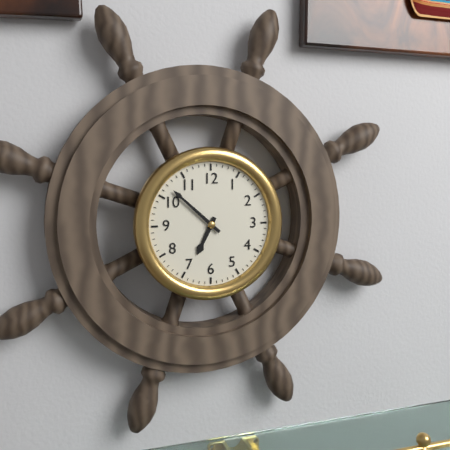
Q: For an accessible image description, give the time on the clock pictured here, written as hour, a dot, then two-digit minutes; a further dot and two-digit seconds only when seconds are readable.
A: 6.52
